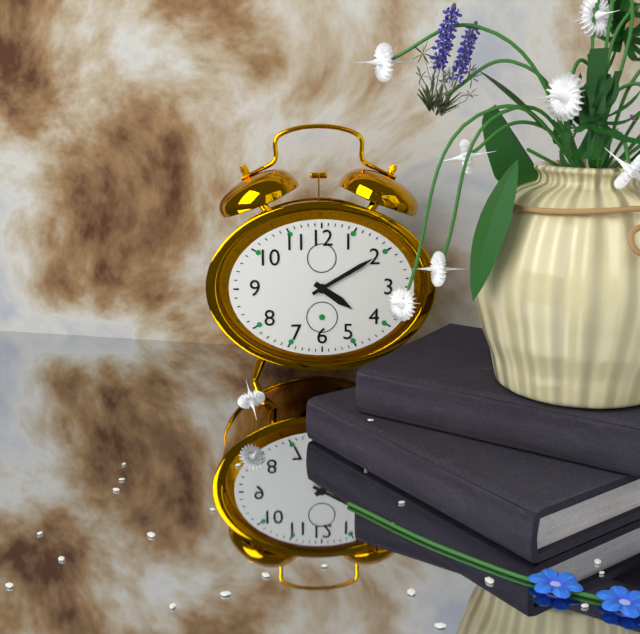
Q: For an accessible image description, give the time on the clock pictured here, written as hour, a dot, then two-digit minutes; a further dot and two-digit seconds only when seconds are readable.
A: 4.10
